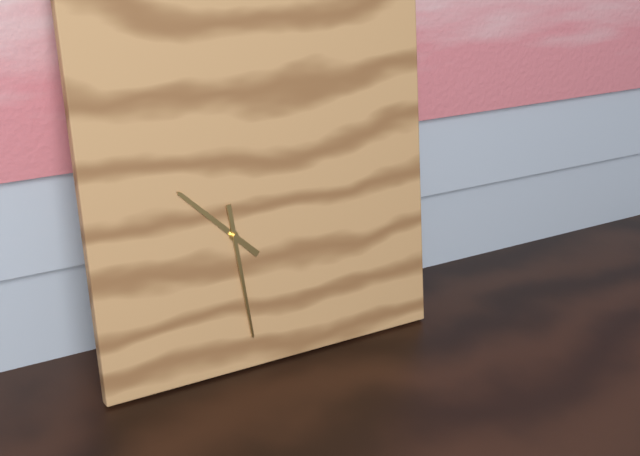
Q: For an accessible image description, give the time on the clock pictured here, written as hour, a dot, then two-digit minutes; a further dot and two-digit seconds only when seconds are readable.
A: 10.29
